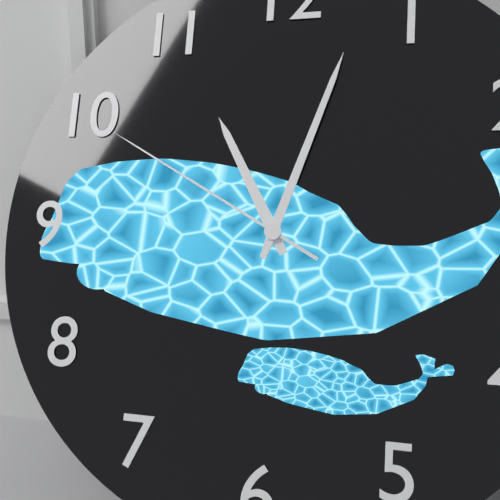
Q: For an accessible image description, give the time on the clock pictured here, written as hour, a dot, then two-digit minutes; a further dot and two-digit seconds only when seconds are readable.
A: 11.03.50
